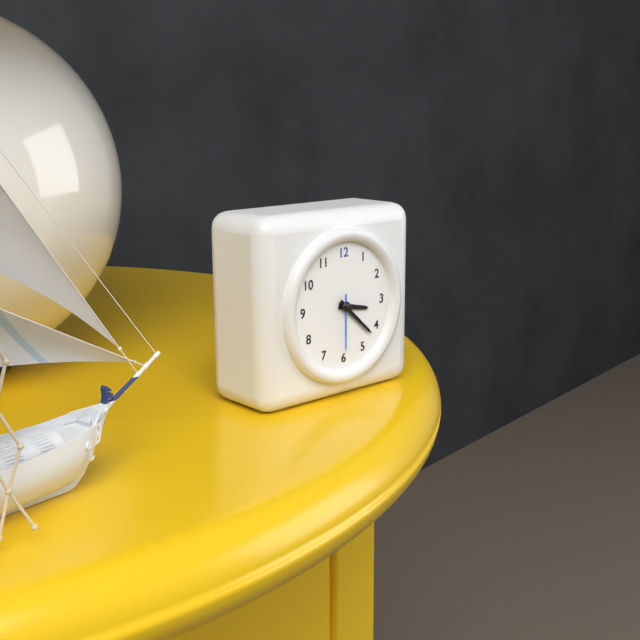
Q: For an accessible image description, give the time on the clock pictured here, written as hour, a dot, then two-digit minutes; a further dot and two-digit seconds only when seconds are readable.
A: 3.22.30
